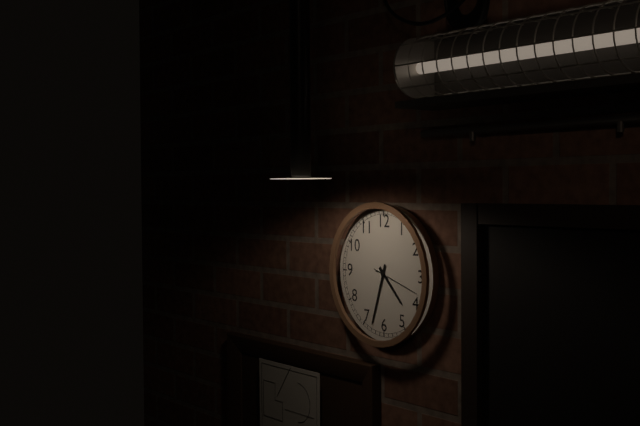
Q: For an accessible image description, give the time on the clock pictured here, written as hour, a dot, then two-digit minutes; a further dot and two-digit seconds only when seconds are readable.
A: 4.33
